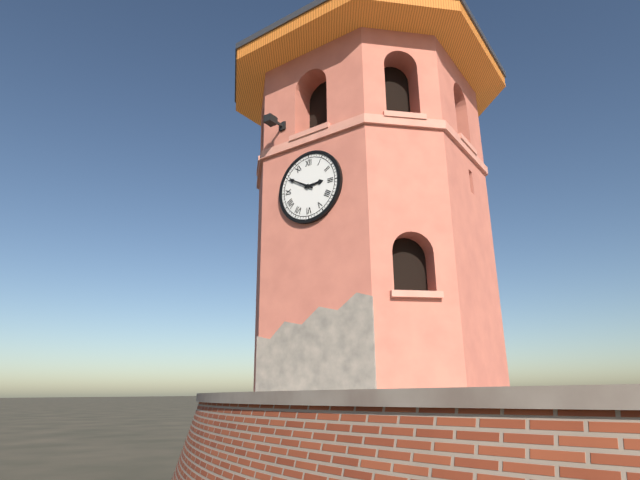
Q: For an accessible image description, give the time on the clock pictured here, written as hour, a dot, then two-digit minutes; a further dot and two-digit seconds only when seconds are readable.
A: 2.50
